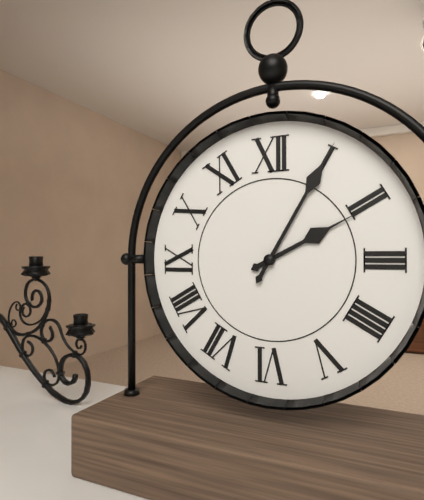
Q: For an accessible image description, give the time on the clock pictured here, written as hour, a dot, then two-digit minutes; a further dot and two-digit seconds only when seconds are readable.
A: 2.05
